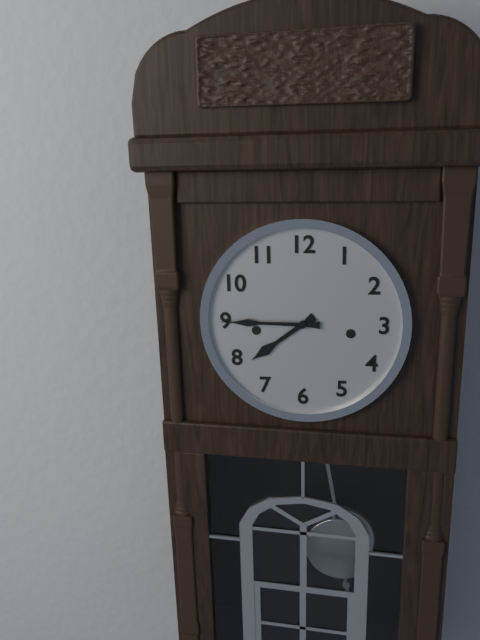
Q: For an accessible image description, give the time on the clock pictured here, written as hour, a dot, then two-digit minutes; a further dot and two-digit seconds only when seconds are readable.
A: 7.45
